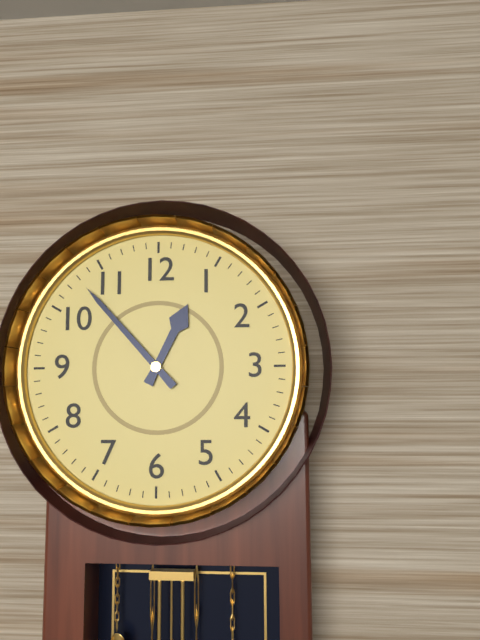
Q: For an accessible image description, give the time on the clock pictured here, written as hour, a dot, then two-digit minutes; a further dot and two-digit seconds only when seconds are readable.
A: 12.53
